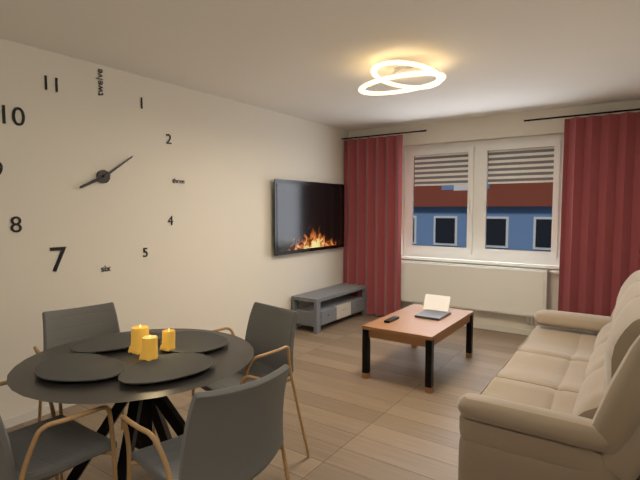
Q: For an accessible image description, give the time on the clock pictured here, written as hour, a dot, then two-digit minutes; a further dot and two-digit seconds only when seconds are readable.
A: 8.09
